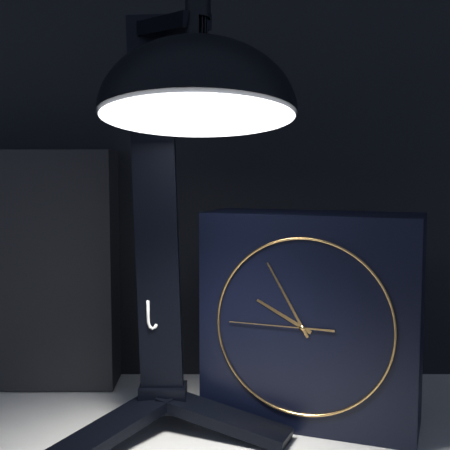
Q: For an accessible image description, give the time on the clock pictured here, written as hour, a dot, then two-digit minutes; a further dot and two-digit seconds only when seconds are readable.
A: 9.55.45
